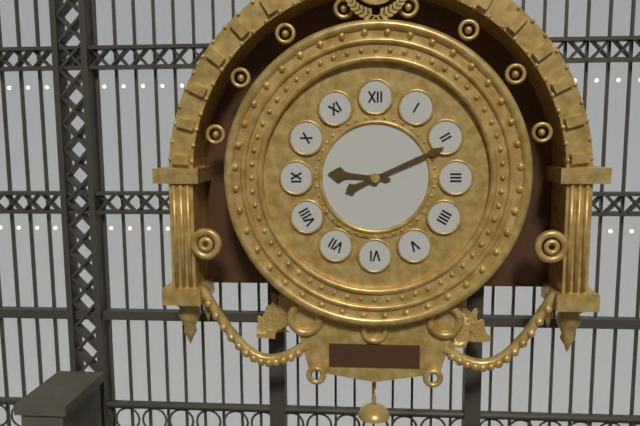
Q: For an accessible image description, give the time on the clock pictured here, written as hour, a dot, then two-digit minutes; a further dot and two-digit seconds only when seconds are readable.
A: 9.11
